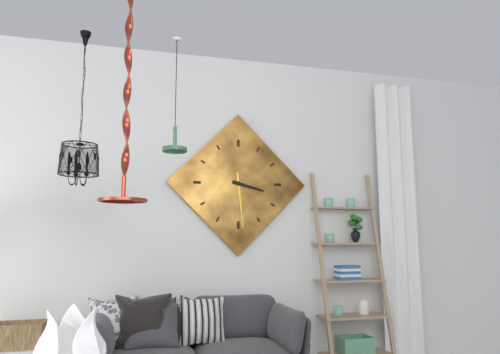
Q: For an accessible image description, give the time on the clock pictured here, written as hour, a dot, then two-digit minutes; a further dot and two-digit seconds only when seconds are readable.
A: 3.29
